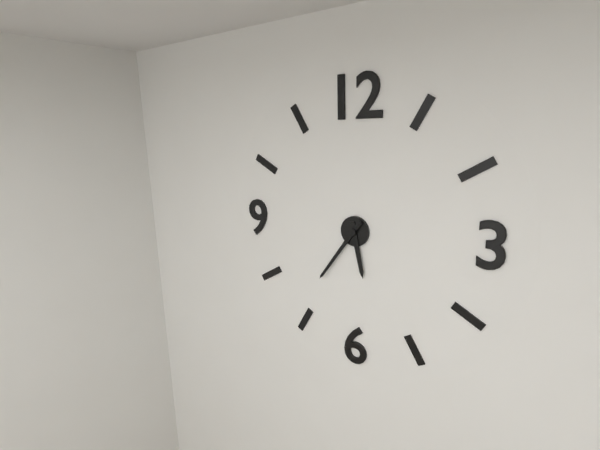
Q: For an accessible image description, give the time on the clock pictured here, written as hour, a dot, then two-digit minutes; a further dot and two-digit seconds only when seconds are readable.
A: 5.36
